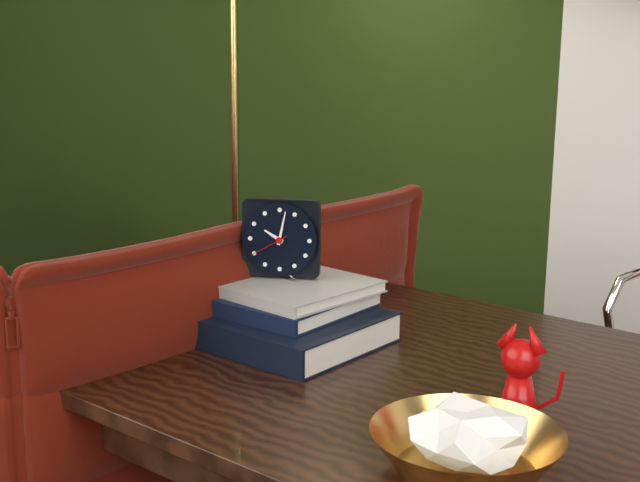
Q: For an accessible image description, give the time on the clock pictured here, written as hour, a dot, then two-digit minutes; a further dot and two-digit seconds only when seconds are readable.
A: 10.02
